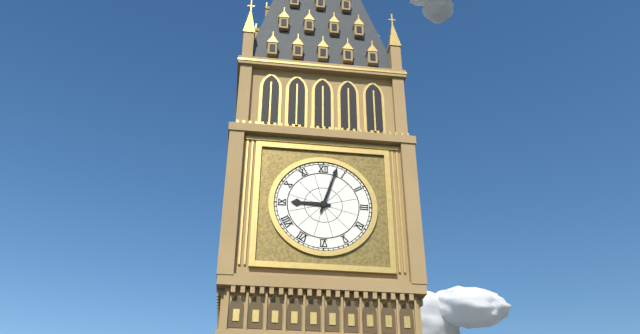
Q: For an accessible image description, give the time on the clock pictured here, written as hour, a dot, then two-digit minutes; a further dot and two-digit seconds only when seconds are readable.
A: 9.03
